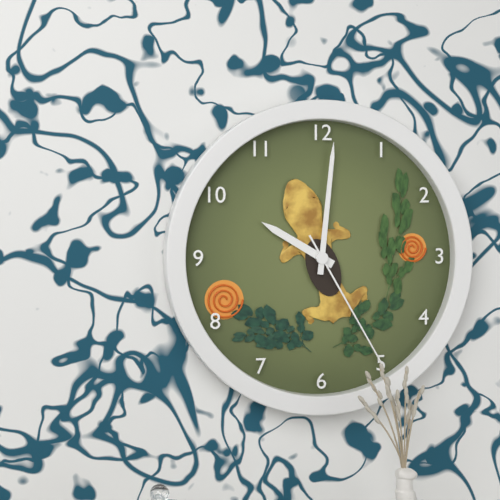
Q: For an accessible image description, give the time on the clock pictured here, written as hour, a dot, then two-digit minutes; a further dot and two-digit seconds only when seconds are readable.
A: 10.01.25
